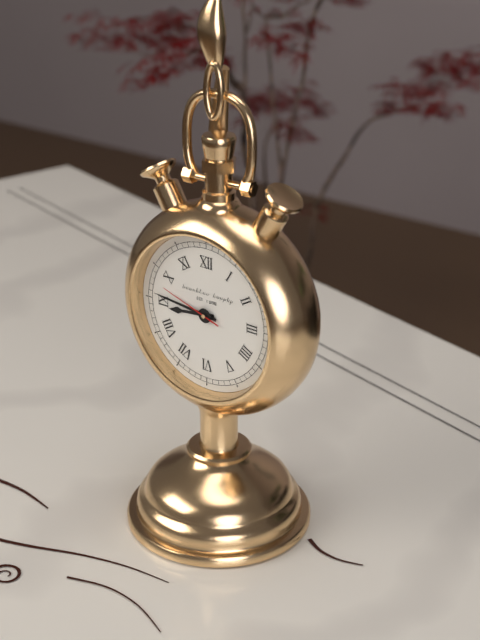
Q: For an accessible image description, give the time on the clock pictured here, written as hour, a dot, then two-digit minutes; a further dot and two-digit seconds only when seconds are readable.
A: 8.46.48
